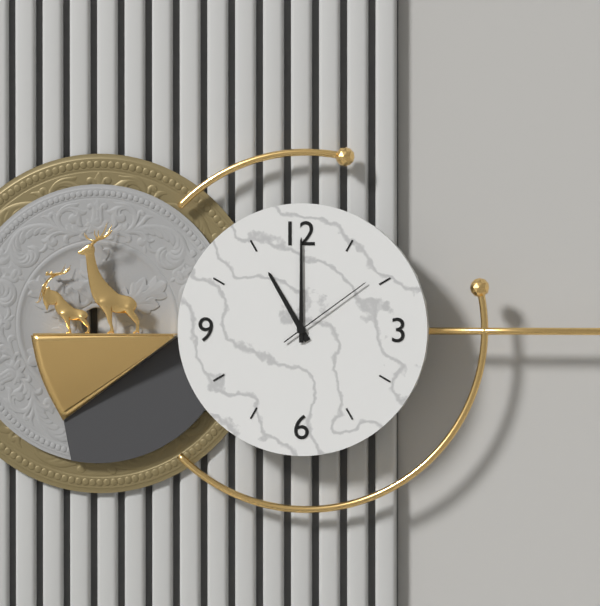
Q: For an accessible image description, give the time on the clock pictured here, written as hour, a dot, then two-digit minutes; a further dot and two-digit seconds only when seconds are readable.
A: 11.00.09
